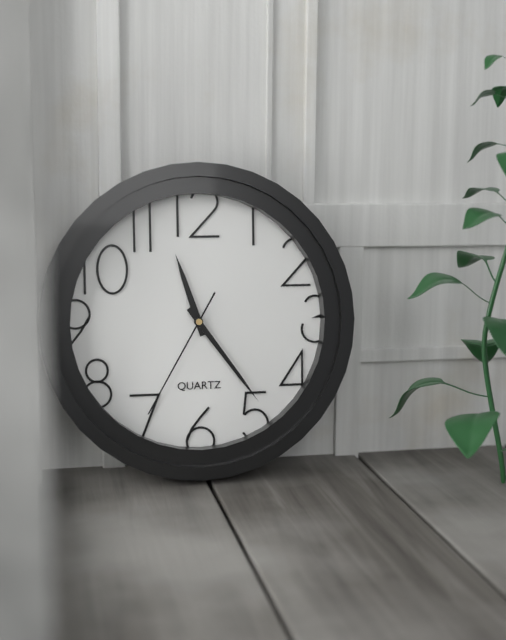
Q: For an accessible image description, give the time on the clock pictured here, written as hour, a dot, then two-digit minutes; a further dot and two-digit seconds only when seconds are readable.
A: 11.24.35
